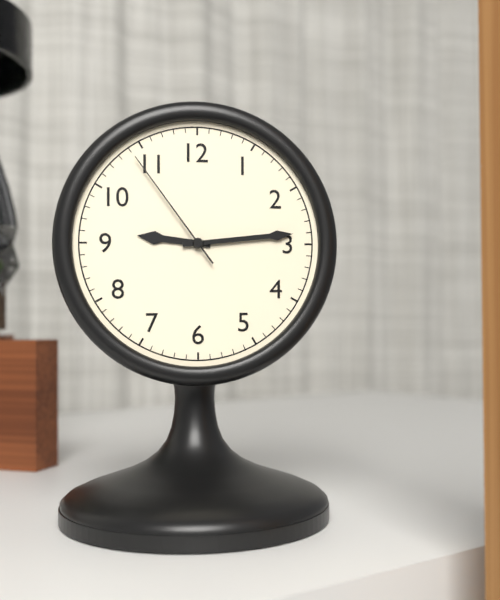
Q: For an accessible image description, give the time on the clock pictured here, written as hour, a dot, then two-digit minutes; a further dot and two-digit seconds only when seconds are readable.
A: 9.14.54
